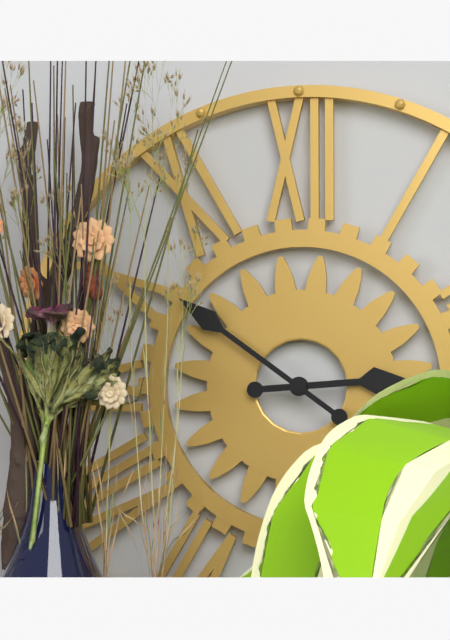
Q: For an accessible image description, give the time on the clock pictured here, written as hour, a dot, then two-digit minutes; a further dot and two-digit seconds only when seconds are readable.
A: 2.51
